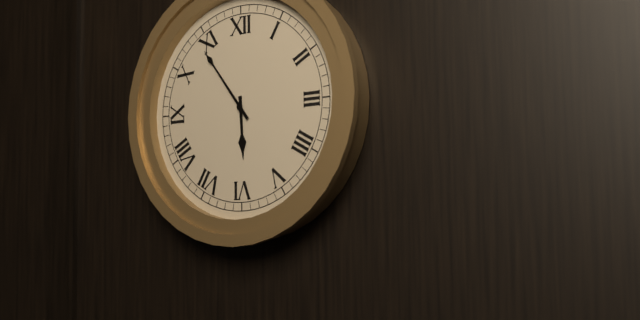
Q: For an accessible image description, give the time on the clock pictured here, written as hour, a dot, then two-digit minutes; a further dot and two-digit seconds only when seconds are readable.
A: 5.54
